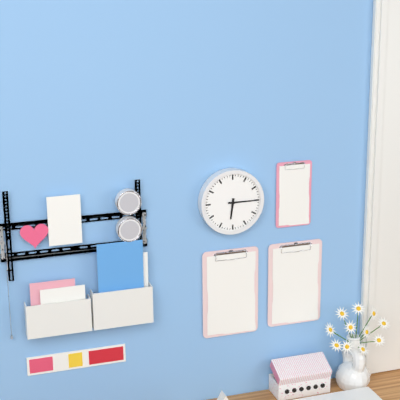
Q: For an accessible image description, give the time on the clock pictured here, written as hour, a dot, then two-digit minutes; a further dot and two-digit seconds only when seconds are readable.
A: 6.15
